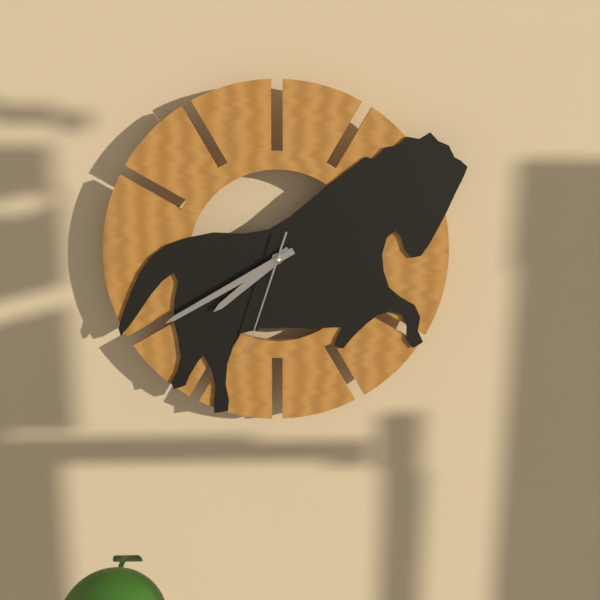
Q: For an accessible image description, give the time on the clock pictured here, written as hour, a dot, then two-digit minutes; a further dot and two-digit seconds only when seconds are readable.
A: 7.40.33
